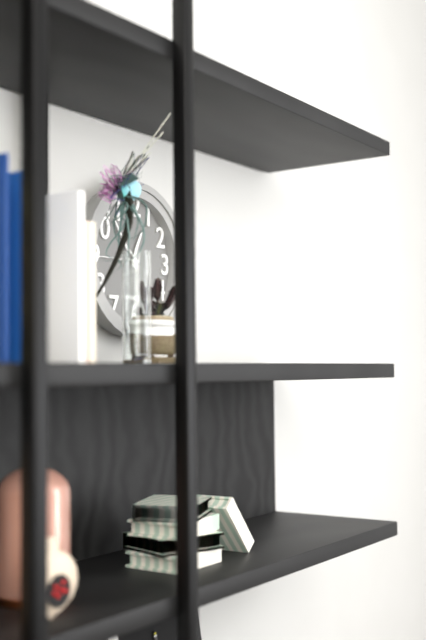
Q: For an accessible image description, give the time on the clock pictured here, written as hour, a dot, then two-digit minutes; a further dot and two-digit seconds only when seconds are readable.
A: 12.54
